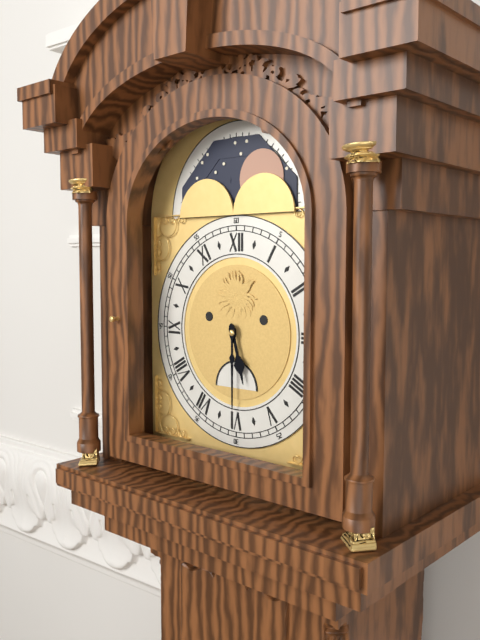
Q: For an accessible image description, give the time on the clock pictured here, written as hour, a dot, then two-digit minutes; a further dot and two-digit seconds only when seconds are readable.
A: 5.30
